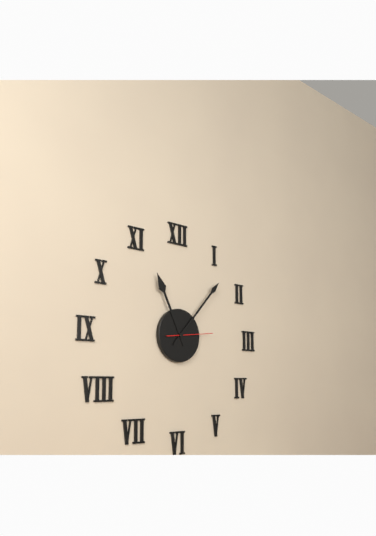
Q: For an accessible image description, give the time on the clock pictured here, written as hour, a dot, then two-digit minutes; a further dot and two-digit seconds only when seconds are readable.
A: 11.07
